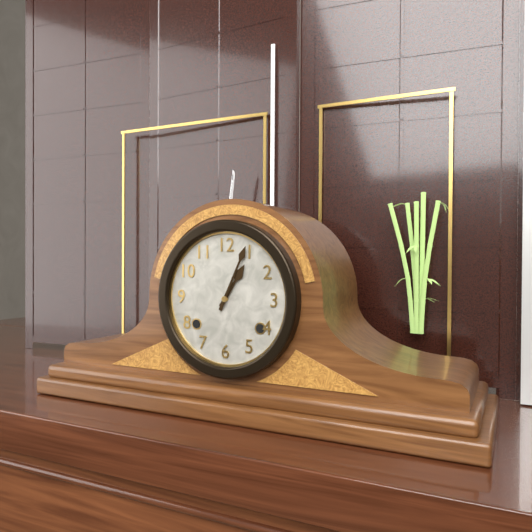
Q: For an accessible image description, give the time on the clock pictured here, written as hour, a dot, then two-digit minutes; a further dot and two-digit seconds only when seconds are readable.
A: 1.04
